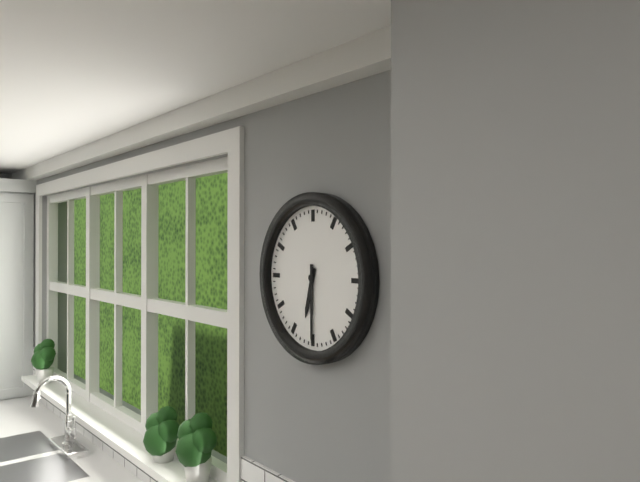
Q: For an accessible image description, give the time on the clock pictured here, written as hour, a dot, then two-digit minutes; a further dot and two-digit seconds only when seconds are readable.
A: 6.30
